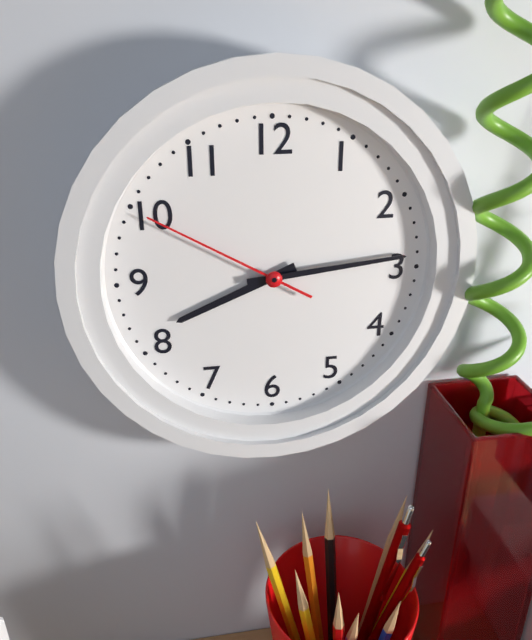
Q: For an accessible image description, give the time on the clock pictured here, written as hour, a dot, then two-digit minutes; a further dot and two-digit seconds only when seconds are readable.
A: 8.14.50
